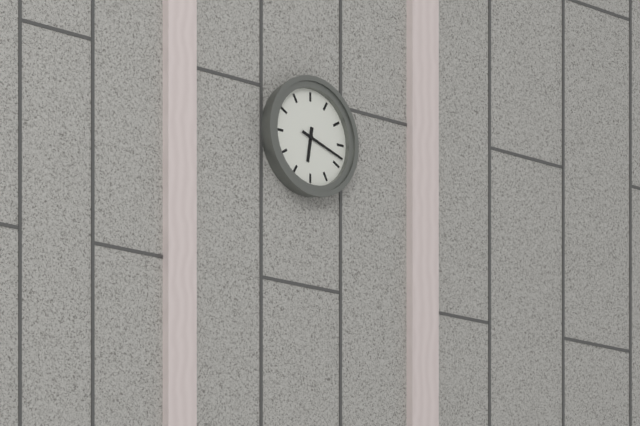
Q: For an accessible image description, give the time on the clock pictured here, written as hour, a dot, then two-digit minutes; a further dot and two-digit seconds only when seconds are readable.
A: 6.18
